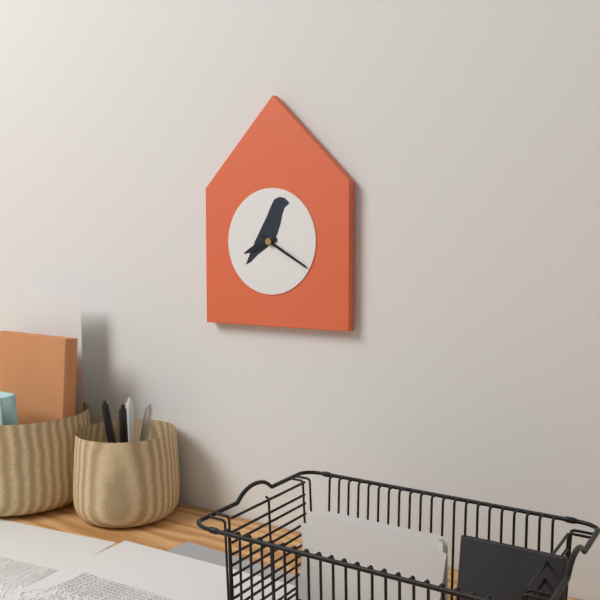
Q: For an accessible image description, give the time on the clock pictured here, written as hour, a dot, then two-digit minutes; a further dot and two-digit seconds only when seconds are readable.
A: 8.20
